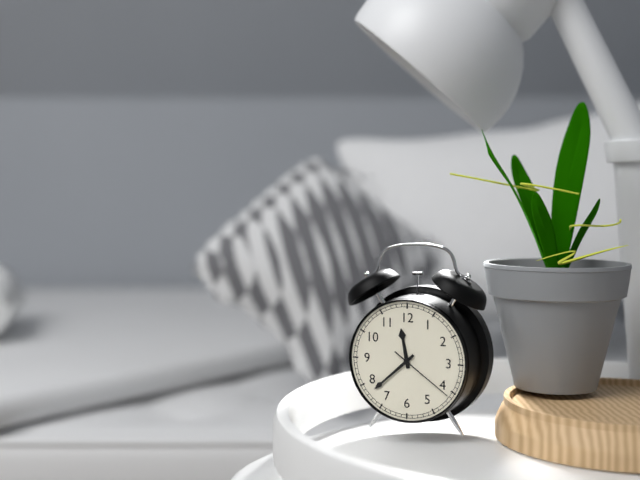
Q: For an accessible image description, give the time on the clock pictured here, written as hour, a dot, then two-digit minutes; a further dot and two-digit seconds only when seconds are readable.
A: 11.38.21
